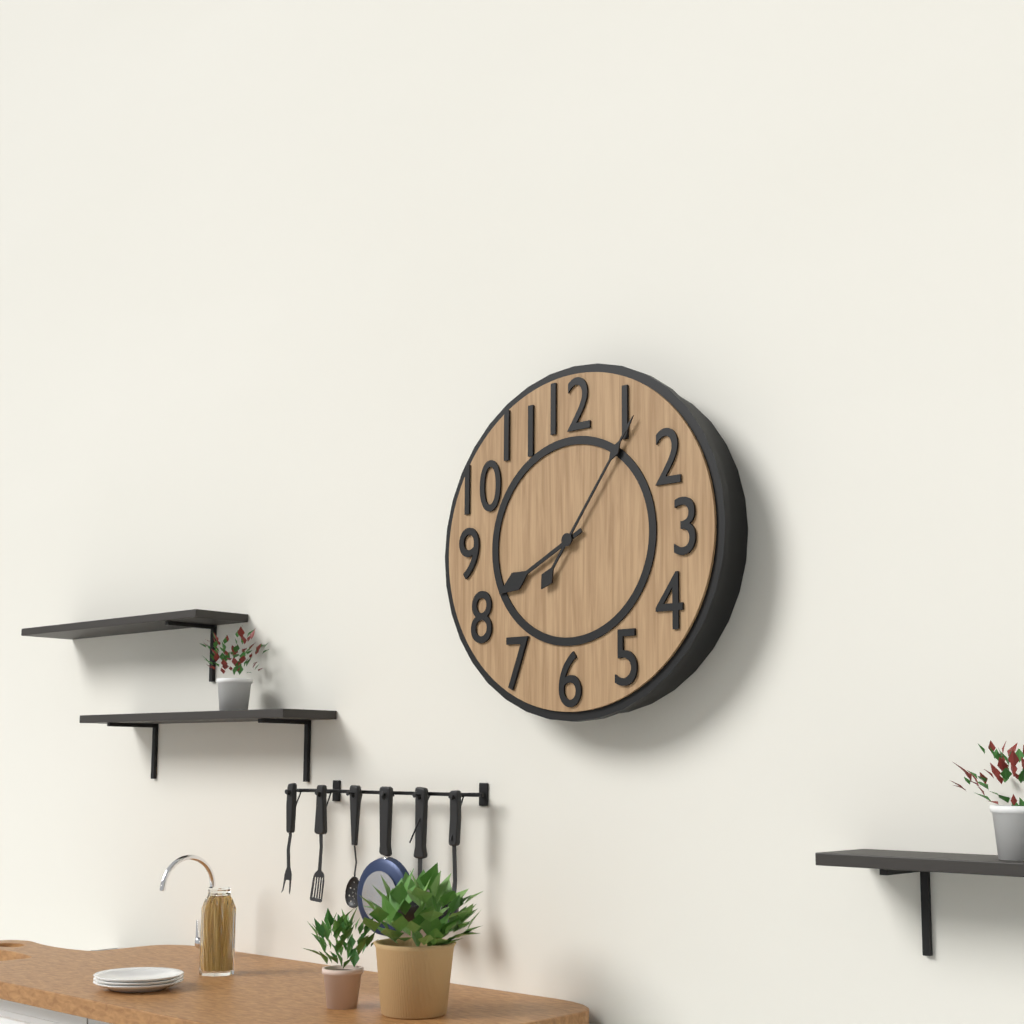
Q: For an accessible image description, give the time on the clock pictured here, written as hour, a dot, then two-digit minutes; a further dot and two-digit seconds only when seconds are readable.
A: 8.06
